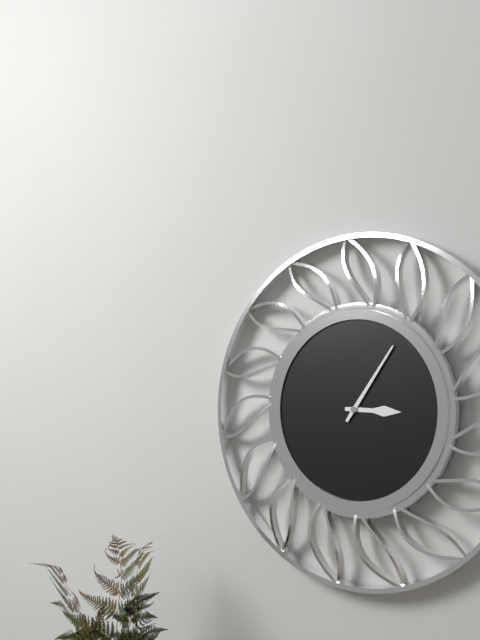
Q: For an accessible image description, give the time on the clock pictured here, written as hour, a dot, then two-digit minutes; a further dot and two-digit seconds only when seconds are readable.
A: 3.06
